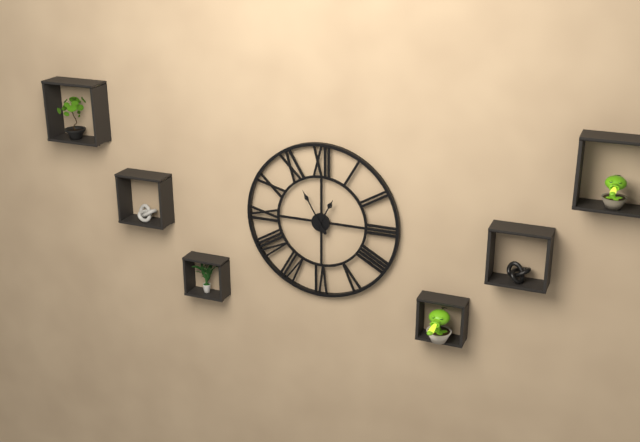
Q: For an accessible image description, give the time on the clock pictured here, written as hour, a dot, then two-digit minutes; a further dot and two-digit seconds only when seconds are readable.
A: 12.55
